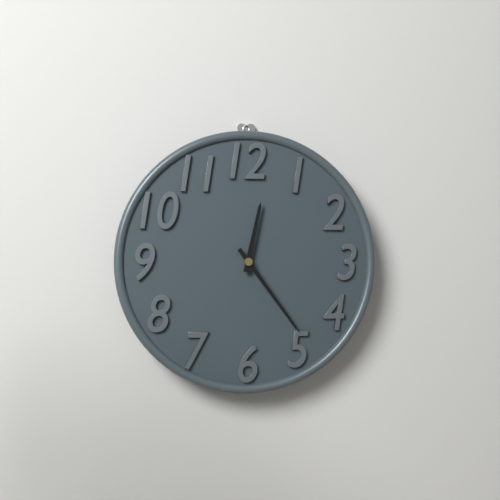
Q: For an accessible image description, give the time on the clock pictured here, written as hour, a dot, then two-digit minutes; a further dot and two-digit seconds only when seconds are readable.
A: 12.24
